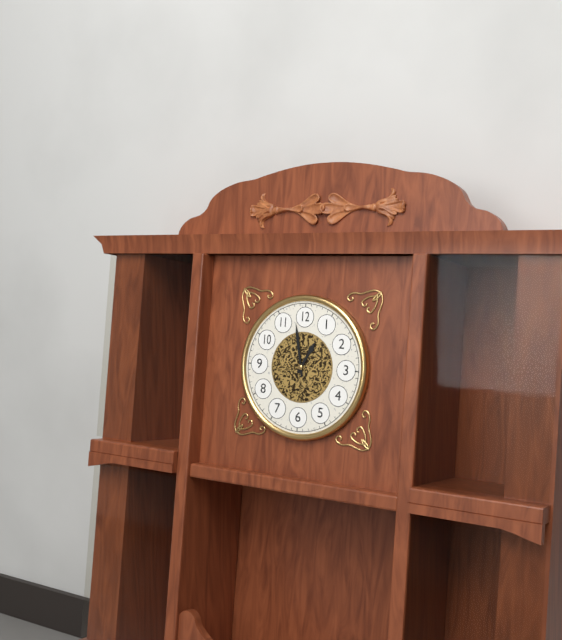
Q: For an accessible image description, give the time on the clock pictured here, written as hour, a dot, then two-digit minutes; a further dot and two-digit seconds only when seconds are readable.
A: 12.58
